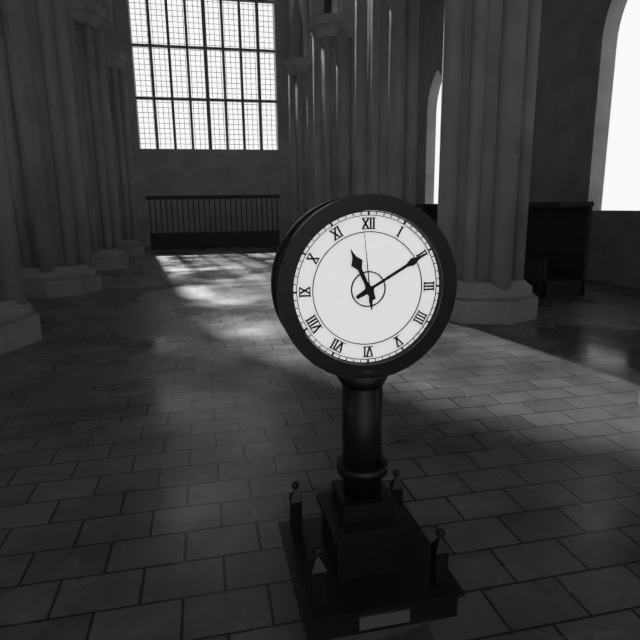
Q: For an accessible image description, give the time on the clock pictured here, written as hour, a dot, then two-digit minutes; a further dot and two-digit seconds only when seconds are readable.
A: 11.10.59
